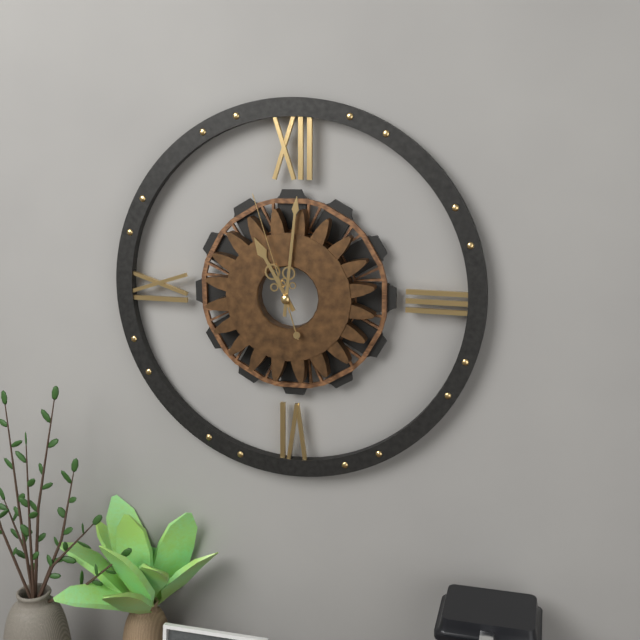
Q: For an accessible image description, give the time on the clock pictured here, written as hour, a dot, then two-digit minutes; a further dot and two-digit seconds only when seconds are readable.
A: 11.01.57
